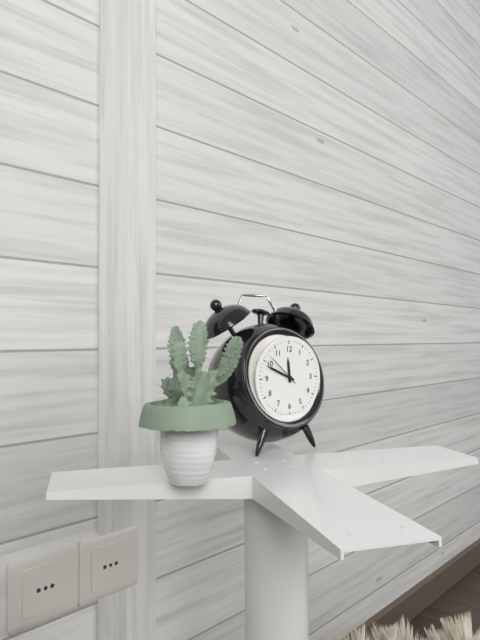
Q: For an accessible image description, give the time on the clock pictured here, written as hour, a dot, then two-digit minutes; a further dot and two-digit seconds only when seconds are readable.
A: 11.49
